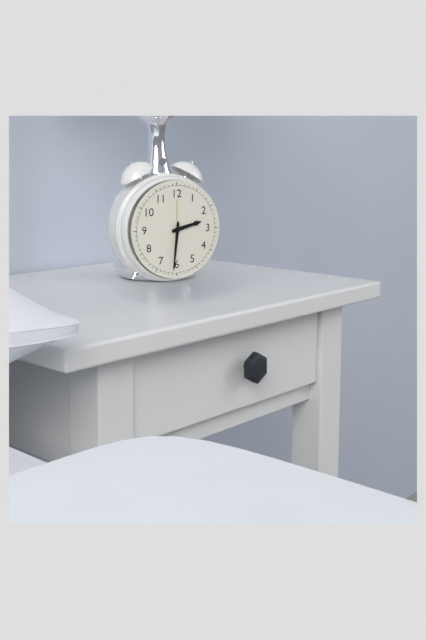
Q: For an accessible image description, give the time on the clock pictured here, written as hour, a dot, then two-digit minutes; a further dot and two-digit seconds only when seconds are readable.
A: 2.31
